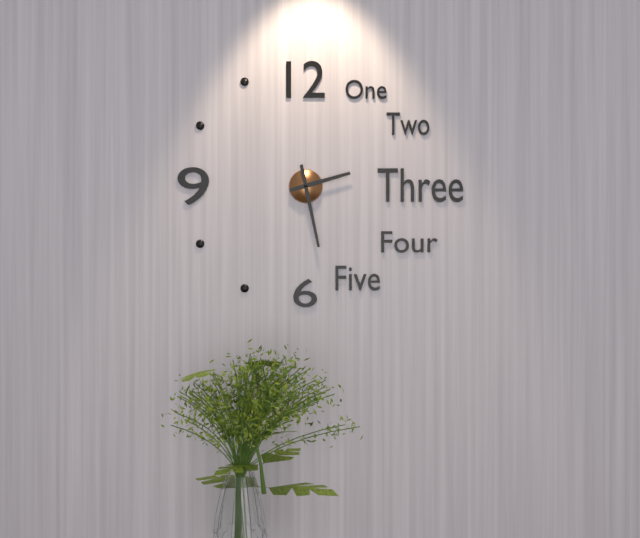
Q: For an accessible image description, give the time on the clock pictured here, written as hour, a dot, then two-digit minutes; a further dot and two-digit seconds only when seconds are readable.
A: 2.28
